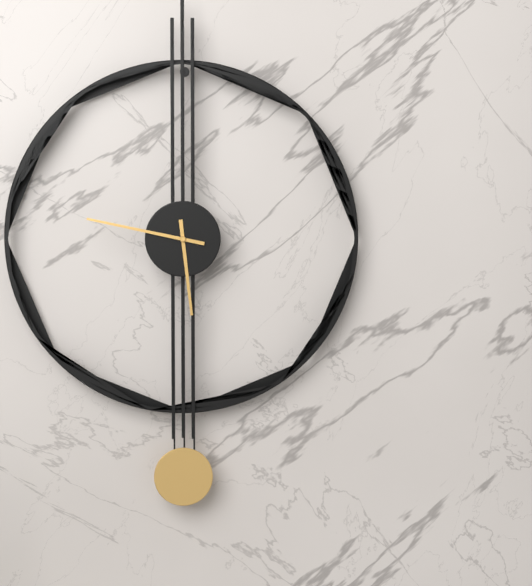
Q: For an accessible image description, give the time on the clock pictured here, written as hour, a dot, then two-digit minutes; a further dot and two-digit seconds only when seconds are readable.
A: 5.47
